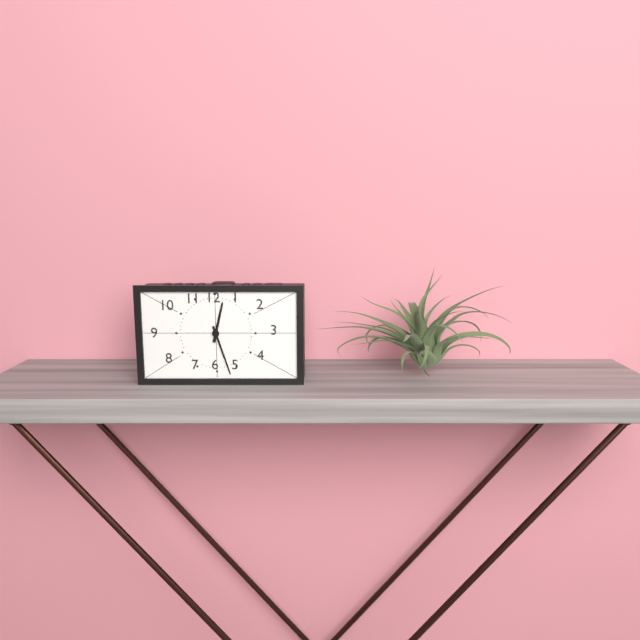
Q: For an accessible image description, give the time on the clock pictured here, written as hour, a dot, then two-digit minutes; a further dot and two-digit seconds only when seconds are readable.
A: 12.27
